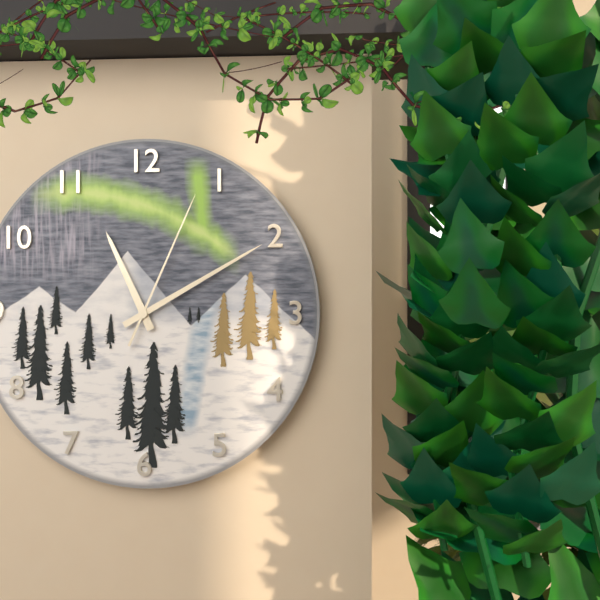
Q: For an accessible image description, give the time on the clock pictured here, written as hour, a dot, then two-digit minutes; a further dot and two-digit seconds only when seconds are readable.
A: 11.10.04
